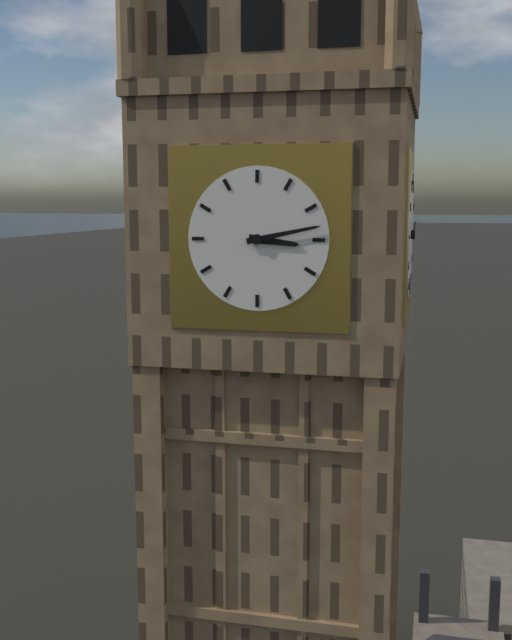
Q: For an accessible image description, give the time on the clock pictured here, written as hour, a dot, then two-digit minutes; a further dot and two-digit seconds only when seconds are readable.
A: 3.13
